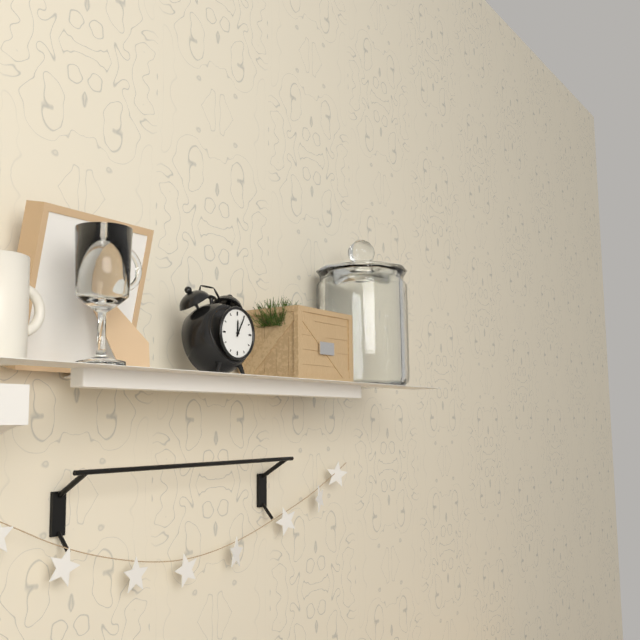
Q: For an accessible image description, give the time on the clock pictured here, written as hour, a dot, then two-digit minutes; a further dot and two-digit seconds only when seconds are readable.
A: 12.05
